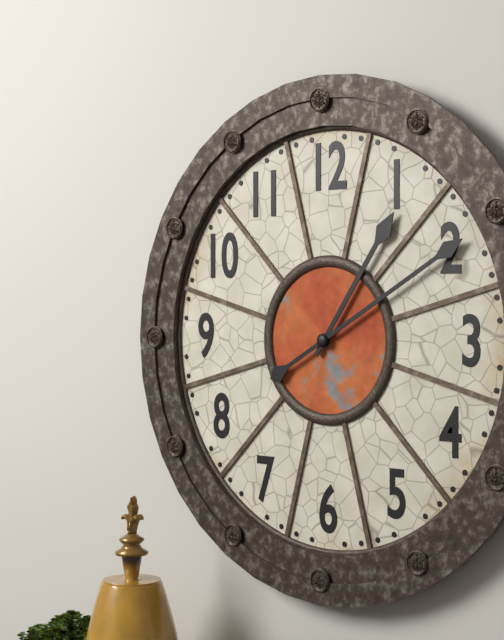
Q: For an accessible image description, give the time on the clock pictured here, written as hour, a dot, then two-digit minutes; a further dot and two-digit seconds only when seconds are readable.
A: 1.10
